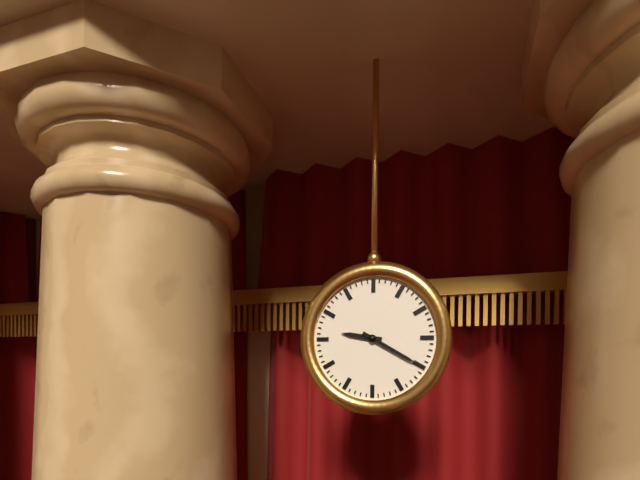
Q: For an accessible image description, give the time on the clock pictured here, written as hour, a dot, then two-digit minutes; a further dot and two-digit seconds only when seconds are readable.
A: 9.20
